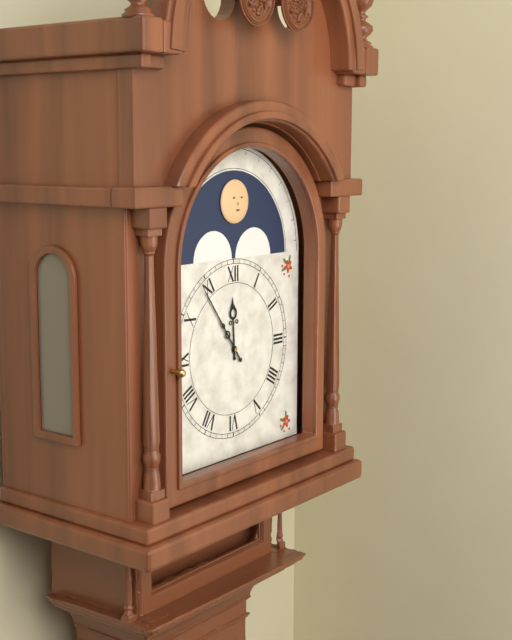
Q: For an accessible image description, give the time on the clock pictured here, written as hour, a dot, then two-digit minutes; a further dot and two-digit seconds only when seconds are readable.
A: 11.54
